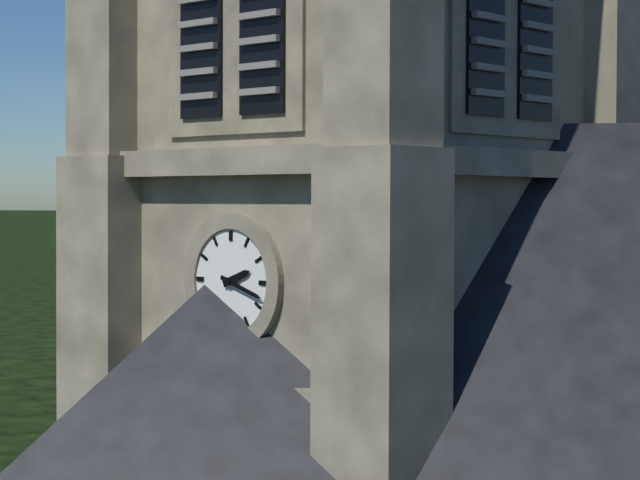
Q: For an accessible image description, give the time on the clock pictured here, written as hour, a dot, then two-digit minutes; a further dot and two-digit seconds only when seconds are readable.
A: 2.18
